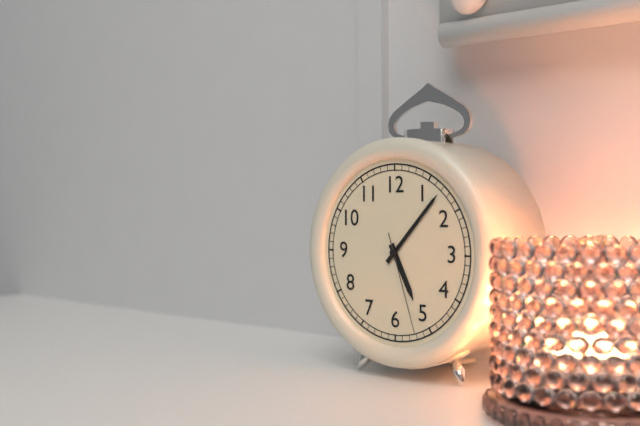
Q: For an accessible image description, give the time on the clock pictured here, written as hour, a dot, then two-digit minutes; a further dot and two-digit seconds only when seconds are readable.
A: 5.07.27
